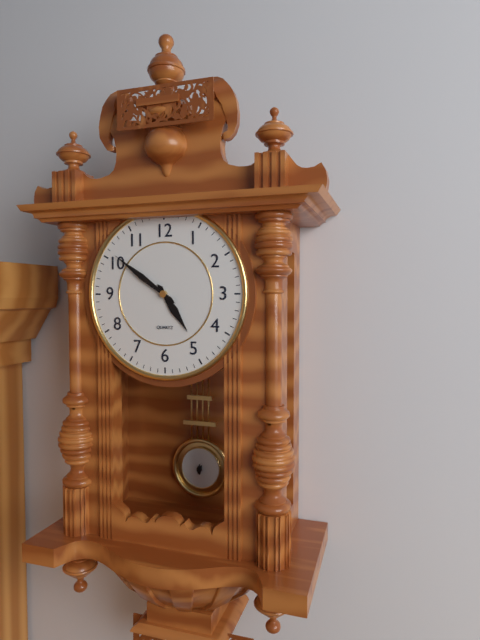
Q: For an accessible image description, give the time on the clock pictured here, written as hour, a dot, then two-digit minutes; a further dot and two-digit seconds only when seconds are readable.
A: 4.51
